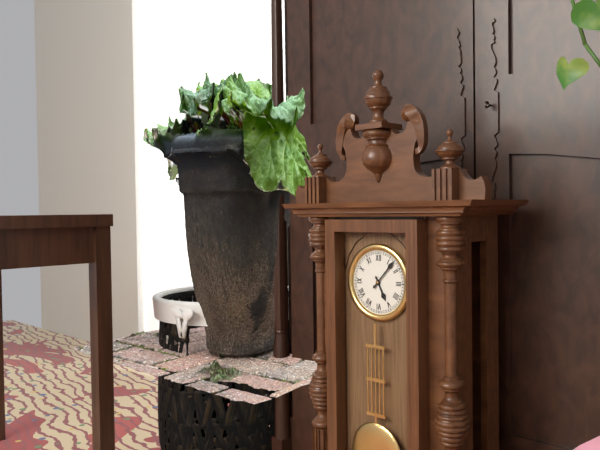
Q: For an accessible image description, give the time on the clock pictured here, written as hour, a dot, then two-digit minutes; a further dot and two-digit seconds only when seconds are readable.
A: 5.07
